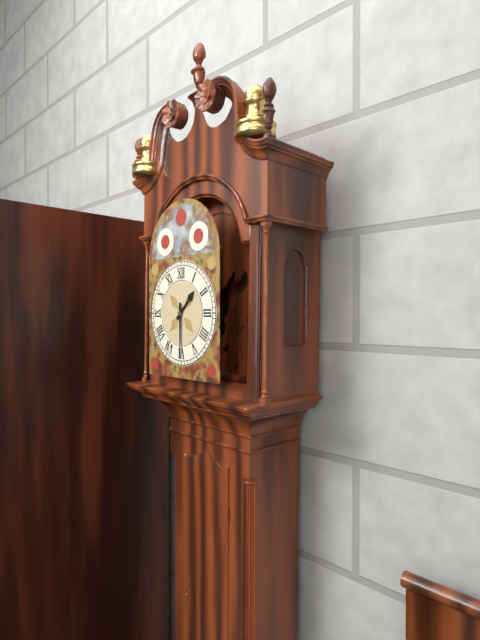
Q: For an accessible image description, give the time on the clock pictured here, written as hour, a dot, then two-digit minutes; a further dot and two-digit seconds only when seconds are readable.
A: 1.30
